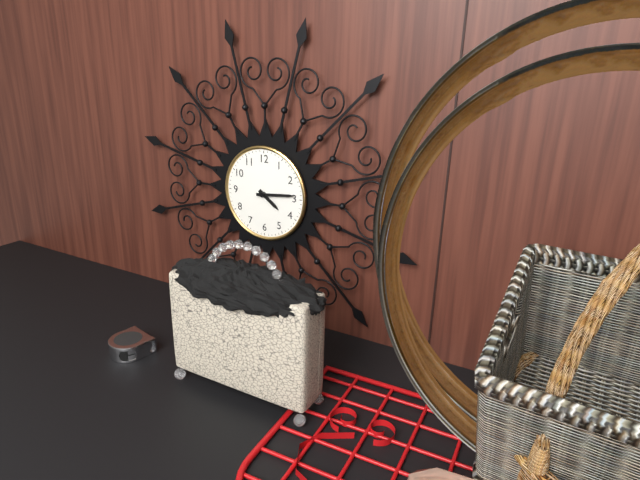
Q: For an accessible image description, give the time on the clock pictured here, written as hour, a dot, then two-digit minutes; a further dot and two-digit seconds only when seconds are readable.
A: 4.14
